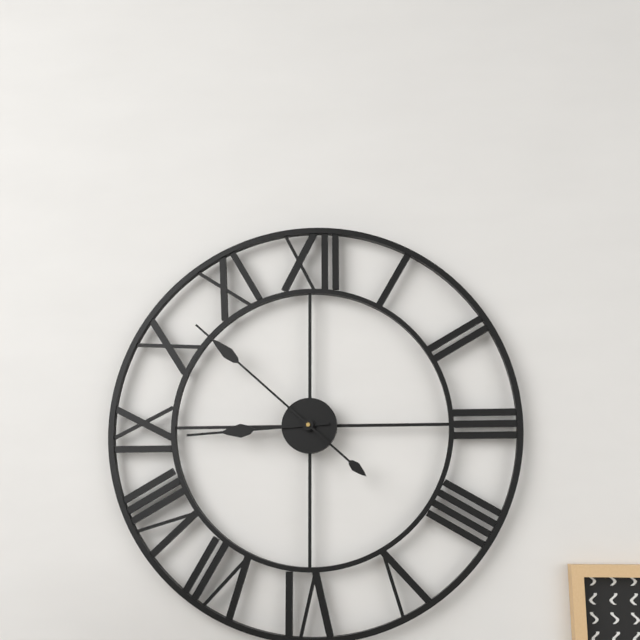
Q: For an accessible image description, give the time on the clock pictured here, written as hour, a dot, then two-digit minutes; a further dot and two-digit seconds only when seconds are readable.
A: 8.52
